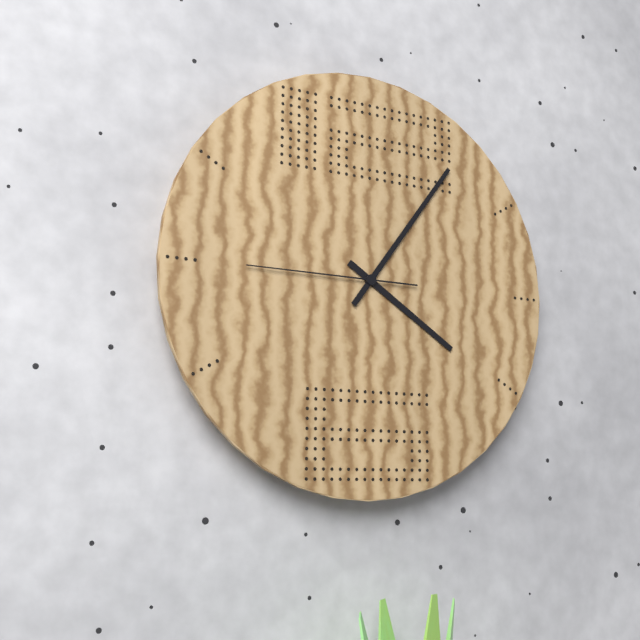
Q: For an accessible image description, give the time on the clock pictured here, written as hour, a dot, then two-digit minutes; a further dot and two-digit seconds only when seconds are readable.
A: 4.06.45
